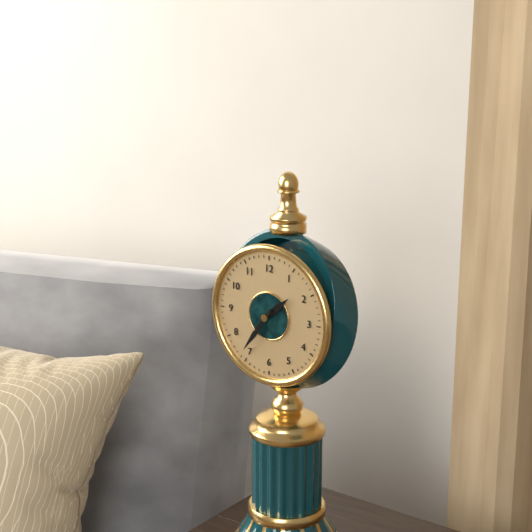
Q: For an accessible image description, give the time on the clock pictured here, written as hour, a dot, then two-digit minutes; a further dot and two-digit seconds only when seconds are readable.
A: 1.36
